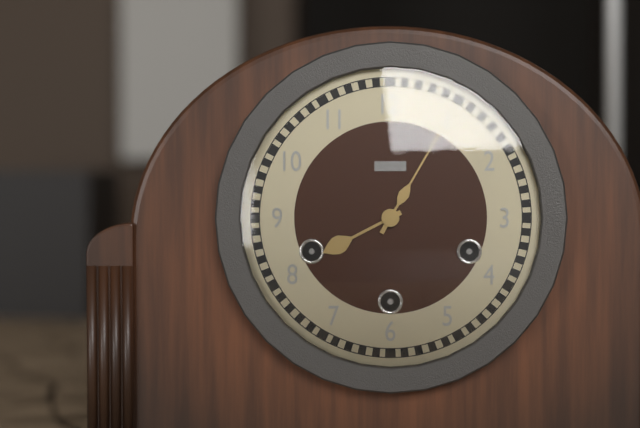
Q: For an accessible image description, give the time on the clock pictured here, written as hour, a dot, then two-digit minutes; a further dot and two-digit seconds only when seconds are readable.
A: 8.05
